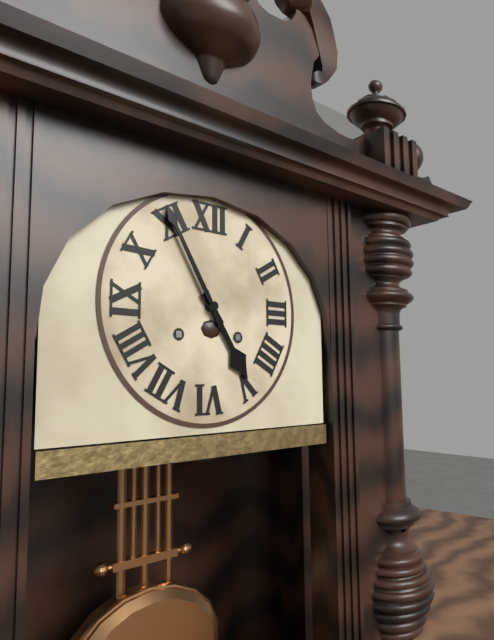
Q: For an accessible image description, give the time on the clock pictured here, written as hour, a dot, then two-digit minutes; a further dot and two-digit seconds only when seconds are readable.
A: 4.55
